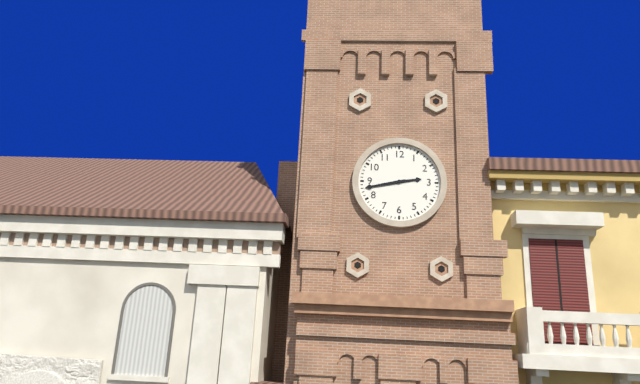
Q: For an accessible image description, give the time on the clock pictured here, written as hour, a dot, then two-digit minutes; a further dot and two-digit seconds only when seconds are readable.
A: 2.43
